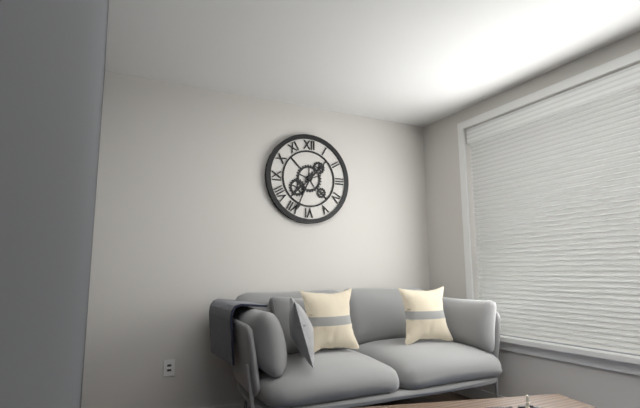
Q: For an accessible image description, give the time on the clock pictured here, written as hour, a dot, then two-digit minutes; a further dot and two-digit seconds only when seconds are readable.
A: 1.34
